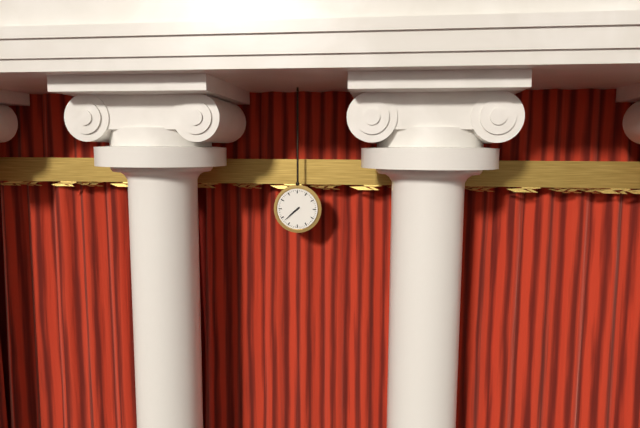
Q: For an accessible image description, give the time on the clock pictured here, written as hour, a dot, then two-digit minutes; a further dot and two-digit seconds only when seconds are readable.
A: 7.38
